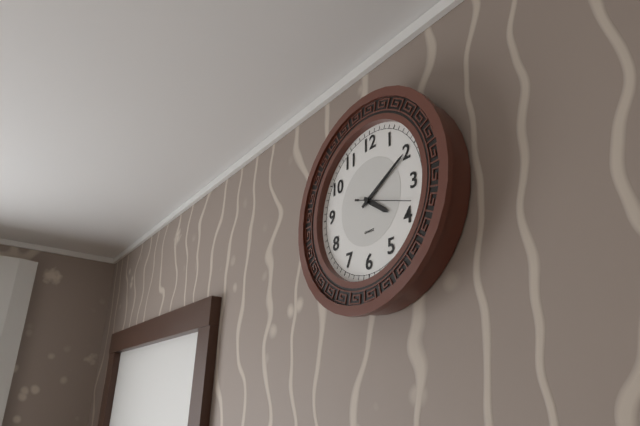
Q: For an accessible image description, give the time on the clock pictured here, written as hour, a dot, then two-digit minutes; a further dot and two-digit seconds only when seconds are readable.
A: 4.10.18
